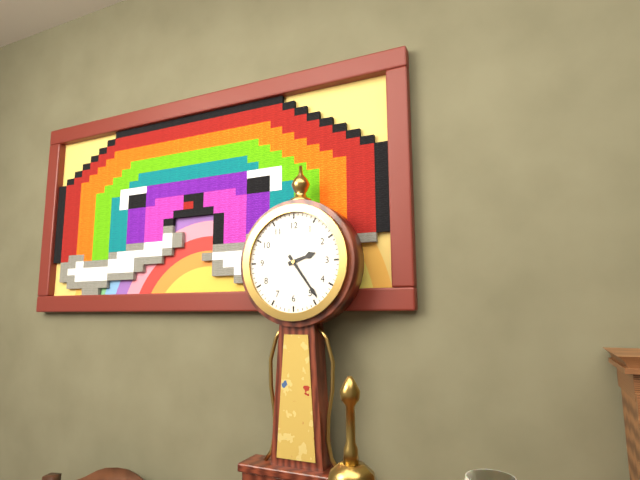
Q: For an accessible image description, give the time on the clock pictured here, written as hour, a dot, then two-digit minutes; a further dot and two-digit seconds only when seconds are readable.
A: 2.24
